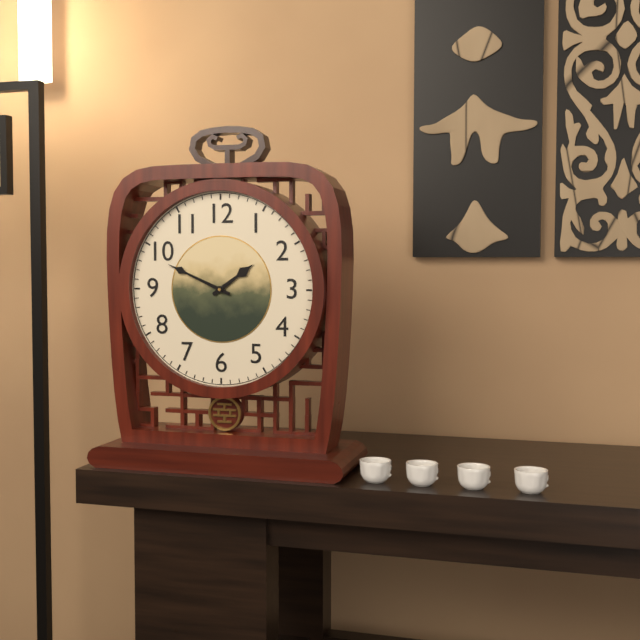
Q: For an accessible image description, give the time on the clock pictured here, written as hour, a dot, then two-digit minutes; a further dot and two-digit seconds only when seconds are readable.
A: 1.49
